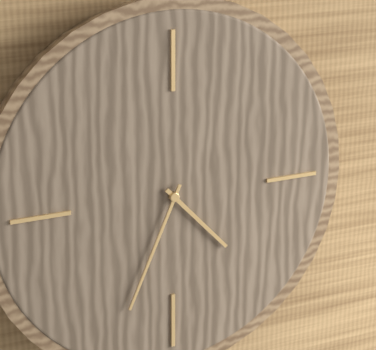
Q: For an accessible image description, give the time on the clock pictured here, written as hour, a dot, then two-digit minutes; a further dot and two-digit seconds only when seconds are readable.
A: 4.34
